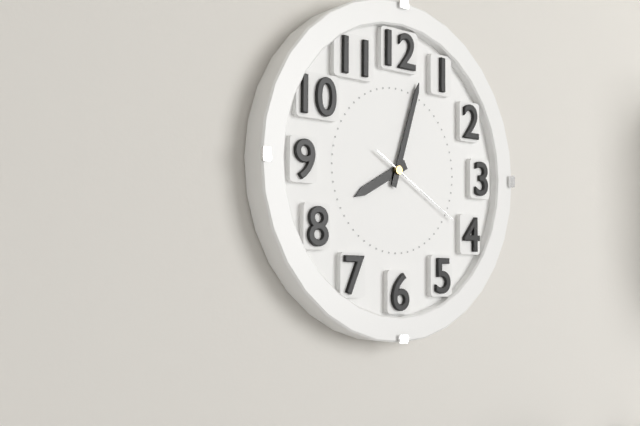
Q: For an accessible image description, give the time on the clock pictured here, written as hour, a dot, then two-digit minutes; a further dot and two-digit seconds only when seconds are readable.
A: 8.03.20
